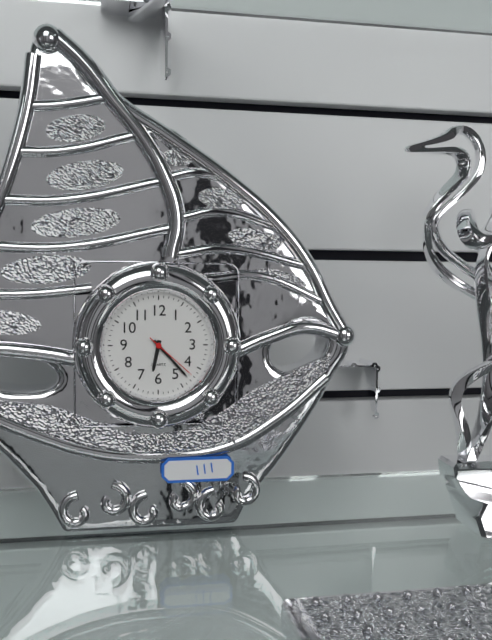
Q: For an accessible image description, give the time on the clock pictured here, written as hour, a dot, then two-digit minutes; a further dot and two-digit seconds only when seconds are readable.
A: 6.23.22
